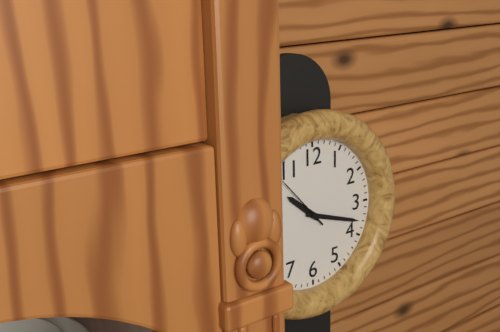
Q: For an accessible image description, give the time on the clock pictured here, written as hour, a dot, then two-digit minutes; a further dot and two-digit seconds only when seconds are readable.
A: 10.18.53
